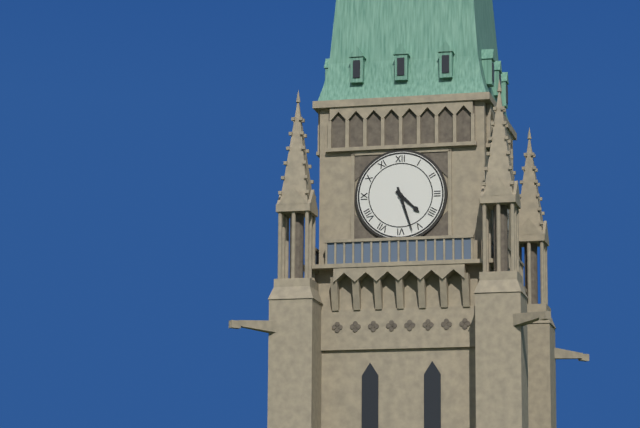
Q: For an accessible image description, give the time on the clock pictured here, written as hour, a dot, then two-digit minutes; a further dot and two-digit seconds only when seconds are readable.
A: 4.27
